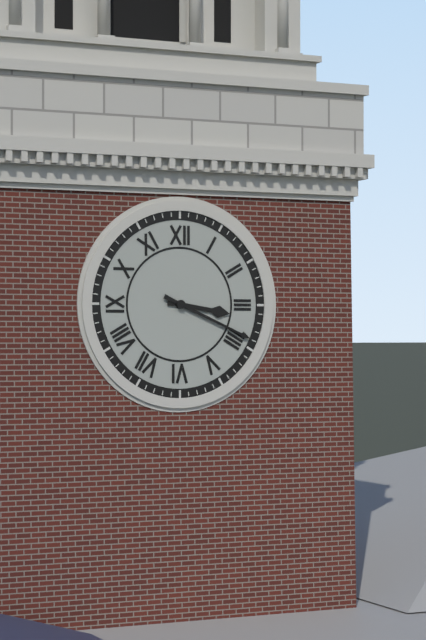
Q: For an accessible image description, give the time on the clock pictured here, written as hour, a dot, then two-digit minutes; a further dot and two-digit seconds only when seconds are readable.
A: 3.19
